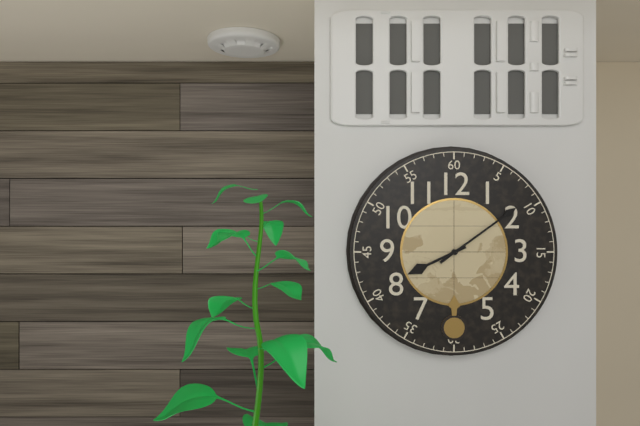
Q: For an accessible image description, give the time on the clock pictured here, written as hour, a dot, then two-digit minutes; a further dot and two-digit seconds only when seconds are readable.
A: 8.09
